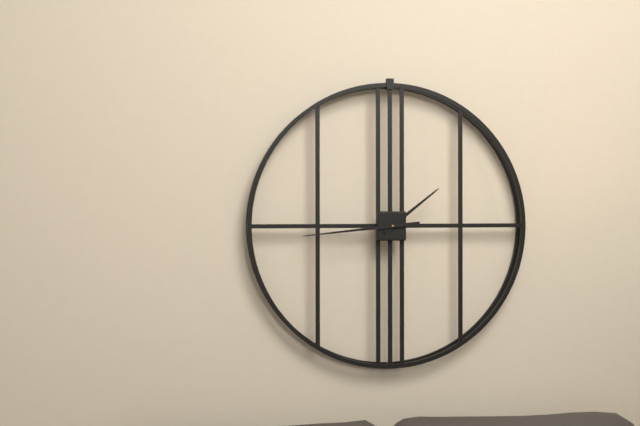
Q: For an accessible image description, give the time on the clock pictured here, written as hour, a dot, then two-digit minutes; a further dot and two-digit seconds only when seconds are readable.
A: 1.44
